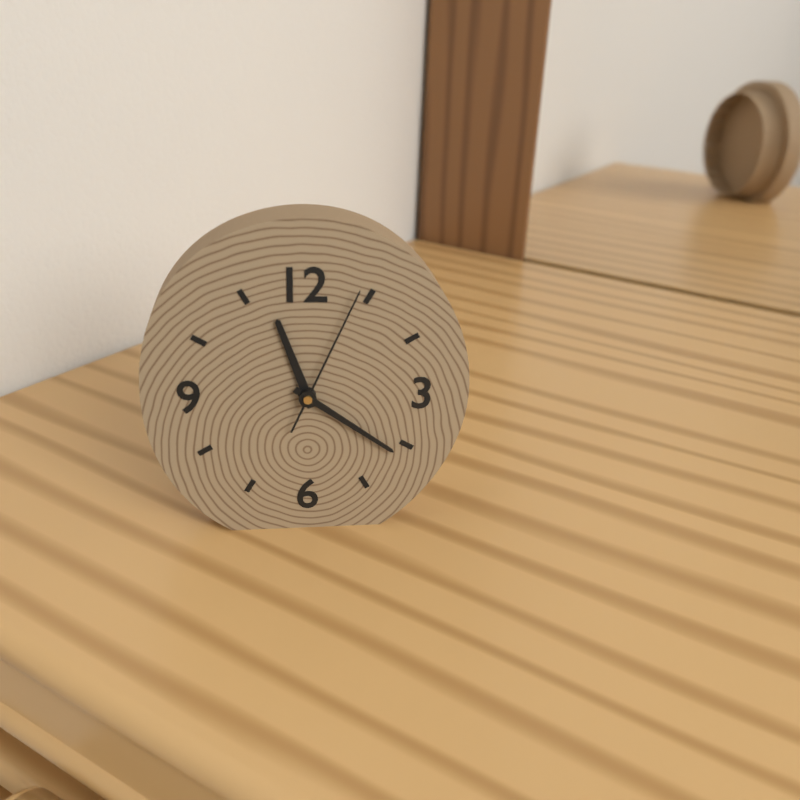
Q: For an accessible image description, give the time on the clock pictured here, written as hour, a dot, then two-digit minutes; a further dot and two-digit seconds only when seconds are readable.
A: 11.21.04
